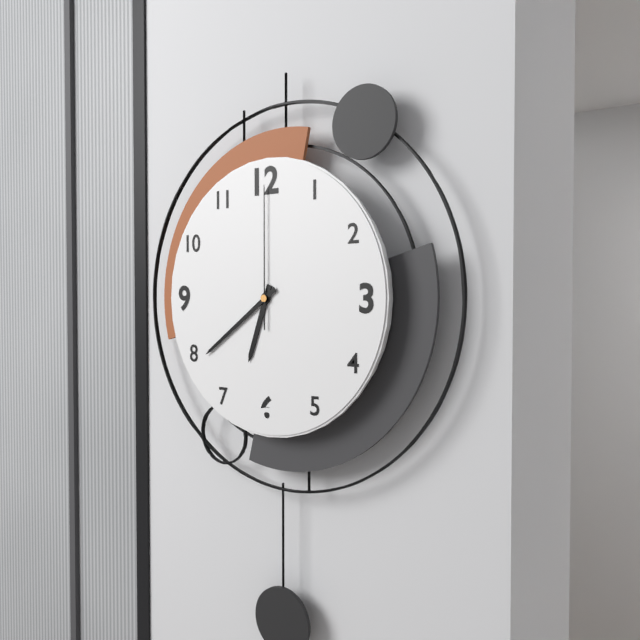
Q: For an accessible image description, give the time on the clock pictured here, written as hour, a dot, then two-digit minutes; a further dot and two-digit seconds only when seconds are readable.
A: 6.39.00
